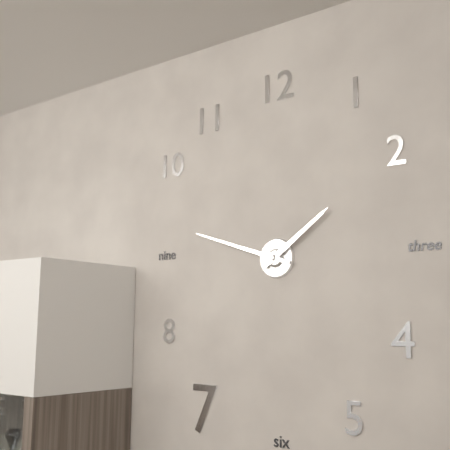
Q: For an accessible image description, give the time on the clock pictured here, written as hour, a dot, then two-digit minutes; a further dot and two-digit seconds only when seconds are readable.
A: 1.48
